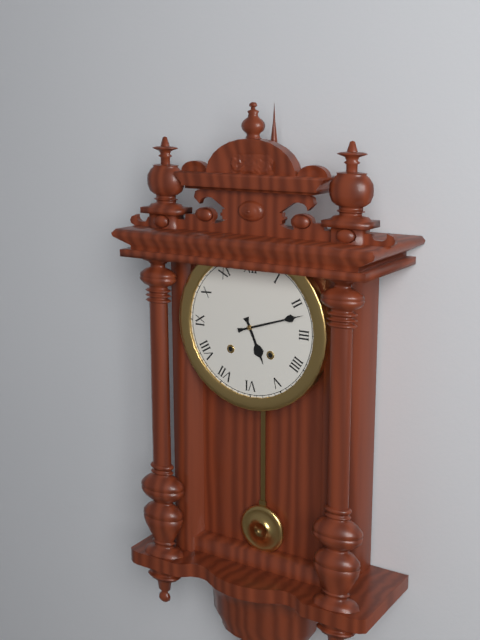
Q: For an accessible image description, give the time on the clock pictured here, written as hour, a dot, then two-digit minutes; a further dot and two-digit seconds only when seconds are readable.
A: 5.12
